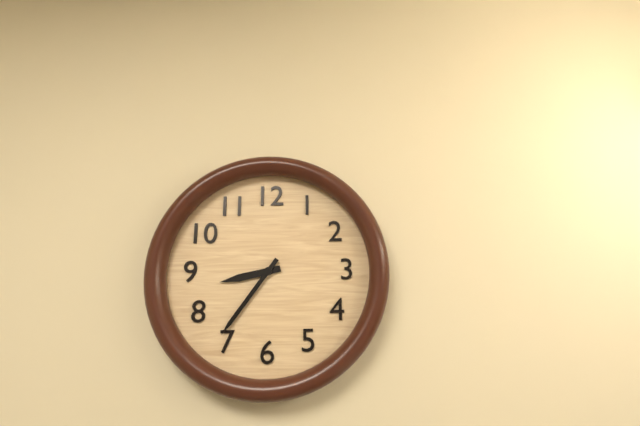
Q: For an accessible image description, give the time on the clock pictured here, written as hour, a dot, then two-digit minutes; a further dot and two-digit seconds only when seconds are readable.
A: 8.36
